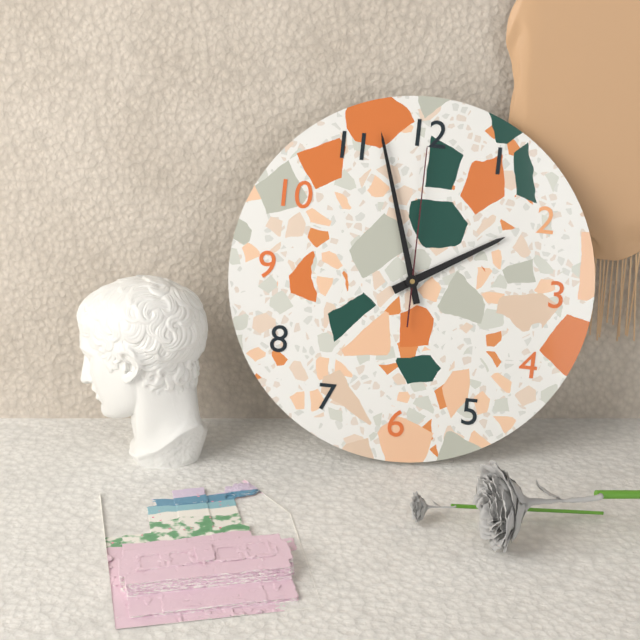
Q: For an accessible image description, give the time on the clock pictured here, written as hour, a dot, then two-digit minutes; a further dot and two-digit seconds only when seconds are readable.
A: 1.57.00
